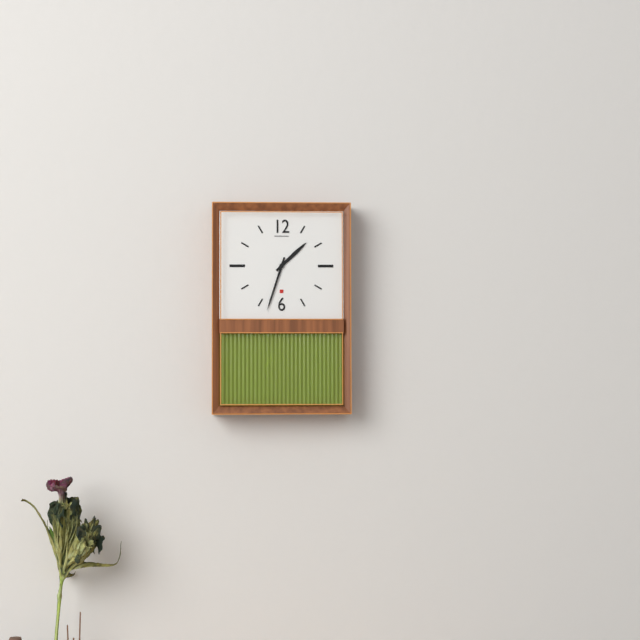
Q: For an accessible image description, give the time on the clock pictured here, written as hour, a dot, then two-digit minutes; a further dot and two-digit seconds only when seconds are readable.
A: 1.33
